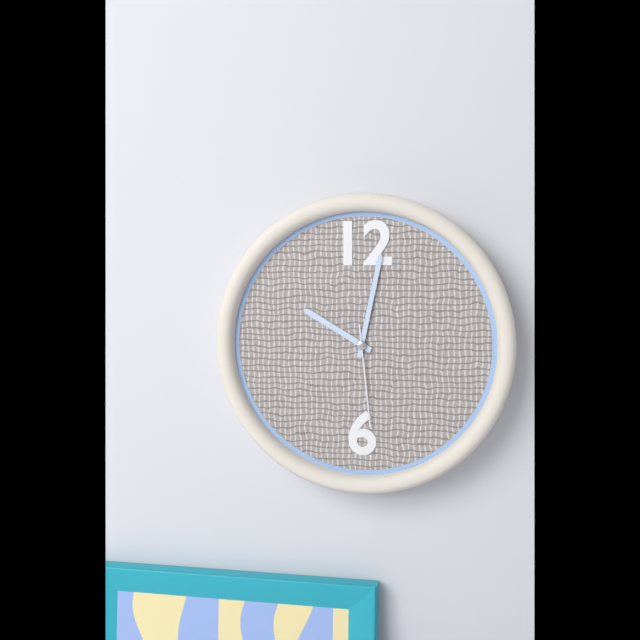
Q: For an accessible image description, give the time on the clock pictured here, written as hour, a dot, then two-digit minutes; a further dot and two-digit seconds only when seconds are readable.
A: 10.02.29
